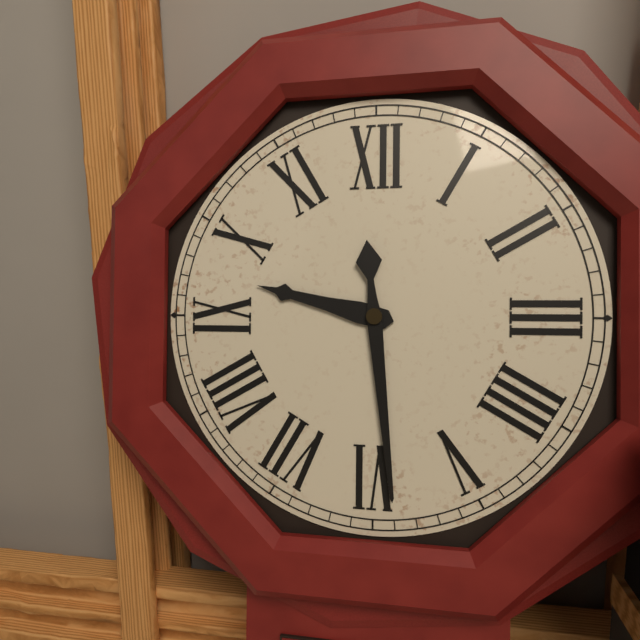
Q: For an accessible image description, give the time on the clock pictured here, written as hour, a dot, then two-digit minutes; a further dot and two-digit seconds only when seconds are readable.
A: 9.29
